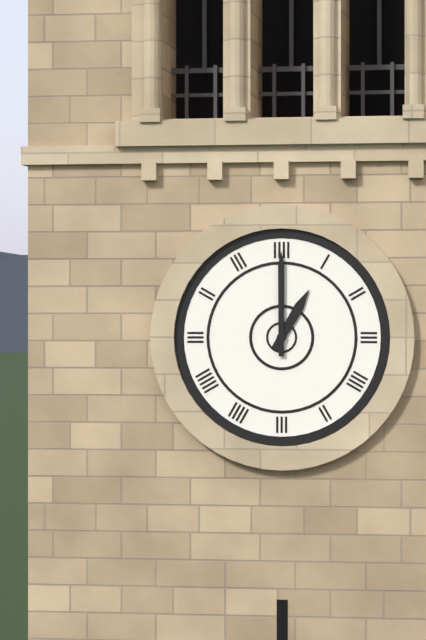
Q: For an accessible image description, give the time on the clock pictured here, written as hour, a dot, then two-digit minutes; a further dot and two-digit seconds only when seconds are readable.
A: 1.00
